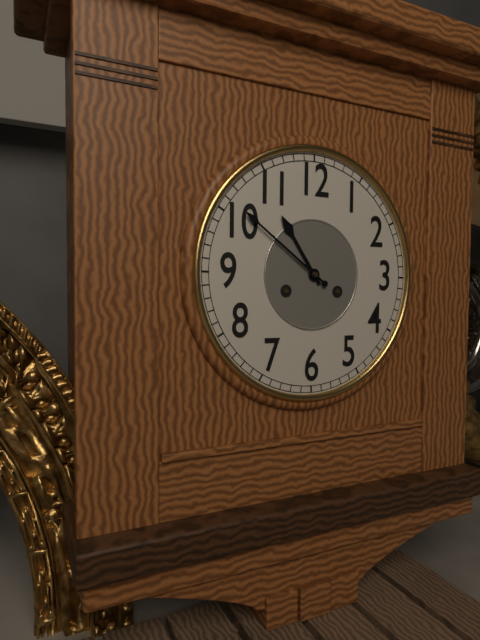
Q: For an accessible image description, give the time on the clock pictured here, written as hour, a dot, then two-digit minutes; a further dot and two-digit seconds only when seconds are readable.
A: 10.51
